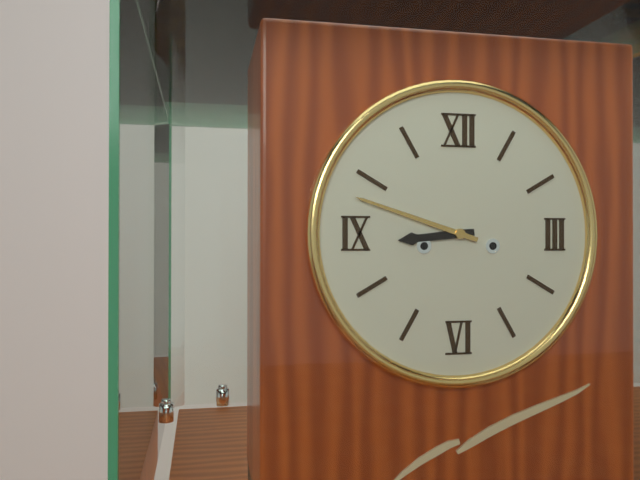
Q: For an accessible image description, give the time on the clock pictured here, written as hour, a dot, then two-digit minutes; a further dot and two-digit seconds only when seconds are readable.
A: 8.48
